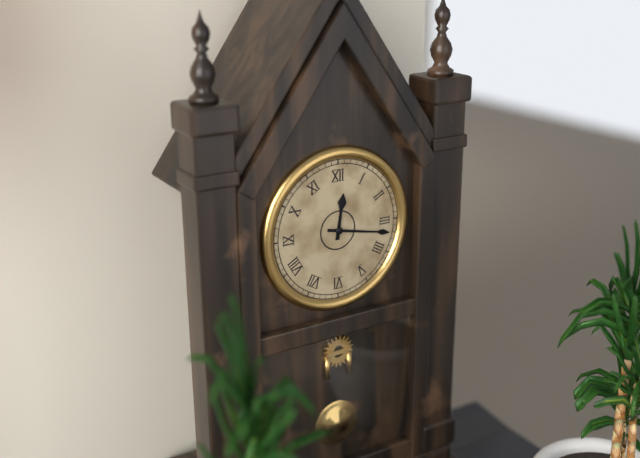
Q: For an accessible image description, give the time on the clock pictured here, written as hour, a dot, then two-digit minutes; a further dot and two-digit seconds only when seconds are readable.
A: 12.17
